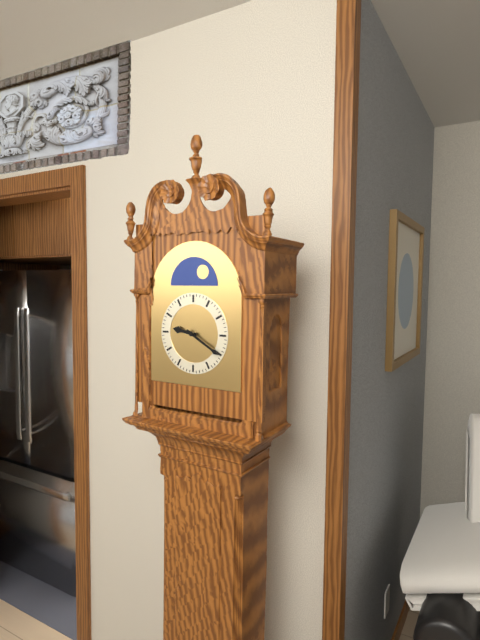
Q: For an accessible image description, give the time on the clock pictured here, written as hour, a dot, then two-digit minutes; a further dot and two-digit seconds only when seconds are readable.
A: 9.20
